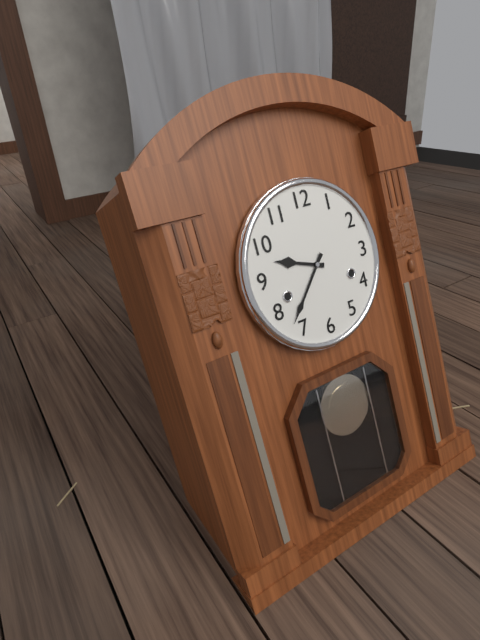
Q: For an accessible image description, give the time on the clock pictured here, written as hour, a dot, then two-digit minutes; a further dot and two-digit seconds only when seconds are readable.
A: 9.37
